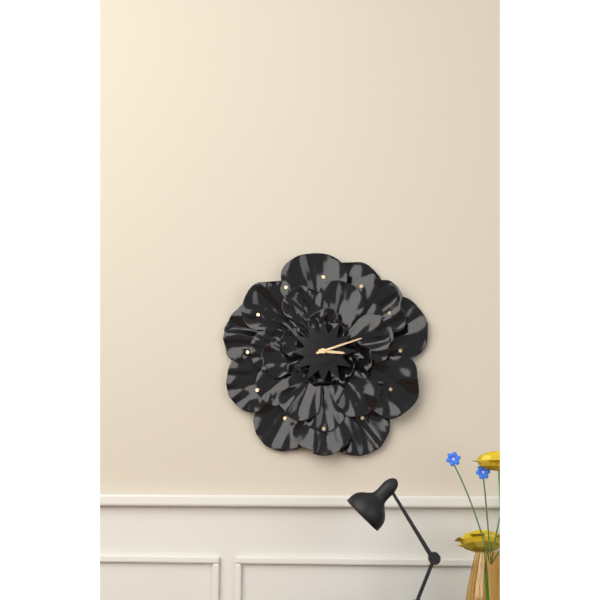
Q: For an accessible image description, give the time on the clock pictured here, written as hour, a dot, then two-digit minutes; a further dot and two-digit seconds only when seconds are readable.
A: 3.12
